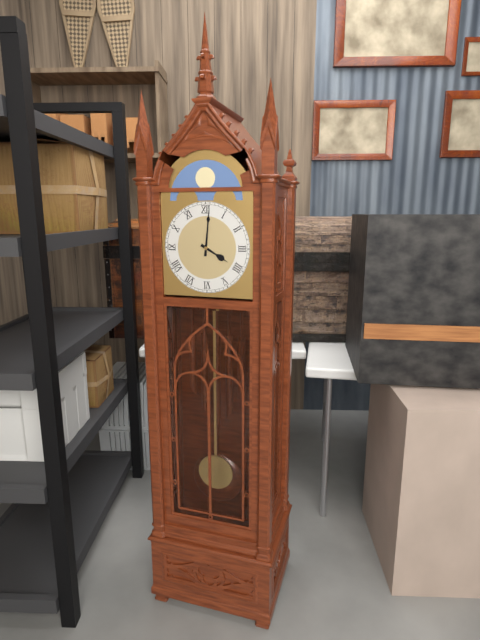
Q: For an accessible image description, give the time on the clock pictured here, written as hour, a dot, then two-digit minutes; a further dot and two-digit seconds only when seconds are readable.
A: 4.01
